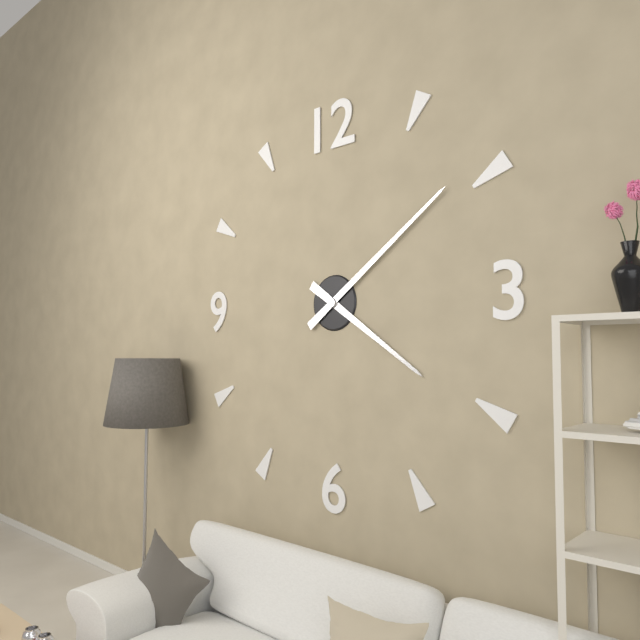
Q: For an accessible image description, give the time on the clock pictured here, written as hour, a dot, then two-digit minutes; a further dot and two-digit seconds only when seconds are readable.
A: 4.09
